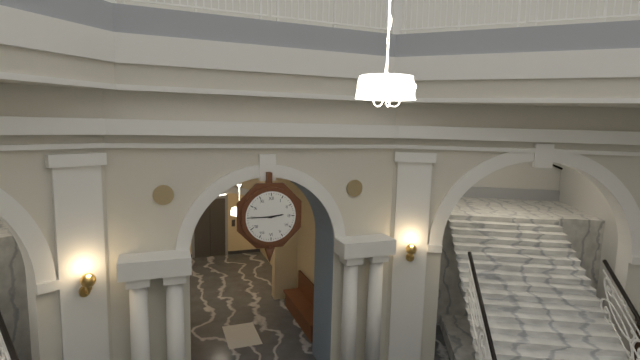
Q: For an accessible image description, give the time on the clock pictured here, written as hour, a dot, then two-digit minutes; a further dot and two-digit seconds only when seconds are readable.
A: 2.45
